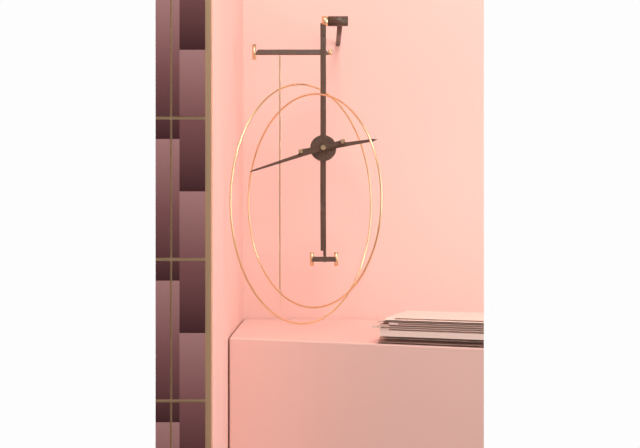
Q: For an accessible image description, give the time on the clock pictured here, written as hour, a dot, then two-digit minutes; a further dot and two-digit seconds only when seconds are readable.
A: 2.42
